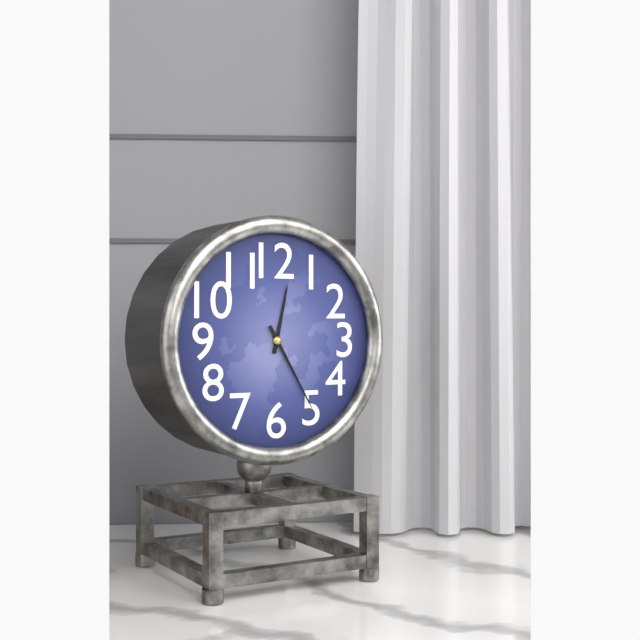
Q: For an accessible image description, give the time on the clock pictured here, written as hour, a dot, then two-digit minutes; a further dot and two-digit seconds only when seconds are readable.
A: 12.25
